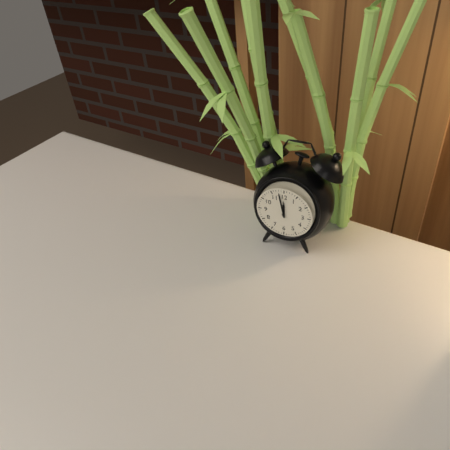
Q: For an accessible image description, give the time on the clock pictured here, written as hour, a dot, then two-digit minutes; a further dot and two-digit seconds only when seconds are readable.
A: 11.58
